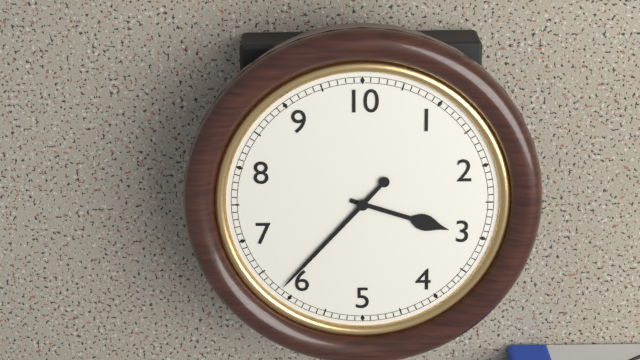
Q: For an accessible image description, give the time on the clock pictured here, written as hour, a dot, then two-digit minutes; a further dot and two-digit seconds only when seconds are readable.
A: 3.37
